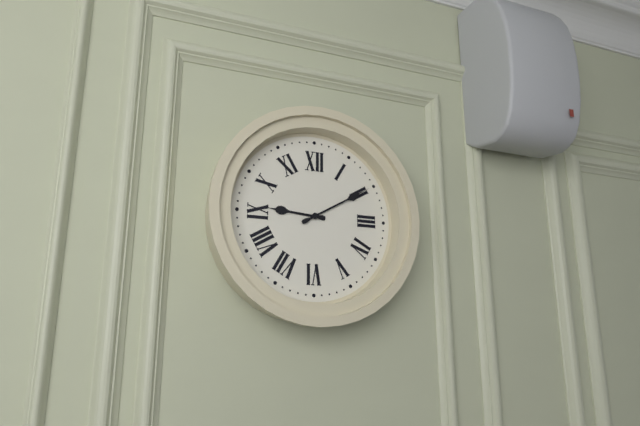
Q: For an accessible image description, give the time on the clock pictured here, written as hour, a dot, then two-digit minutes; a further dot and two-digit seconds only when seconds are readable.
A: 9.10
